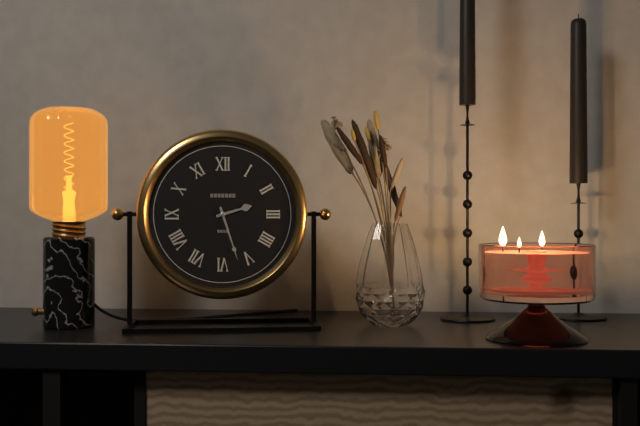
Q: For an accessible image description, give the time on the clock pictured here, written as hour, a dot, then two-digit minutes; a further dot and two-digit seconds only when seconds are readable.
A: 2.27
